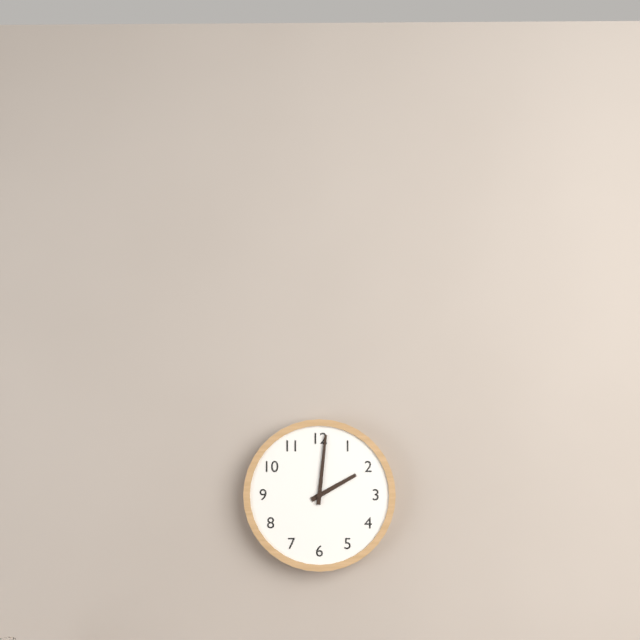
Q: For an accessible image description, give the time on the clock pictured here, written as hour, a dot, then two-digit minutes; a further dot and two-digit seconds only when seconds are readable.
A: 2.01
